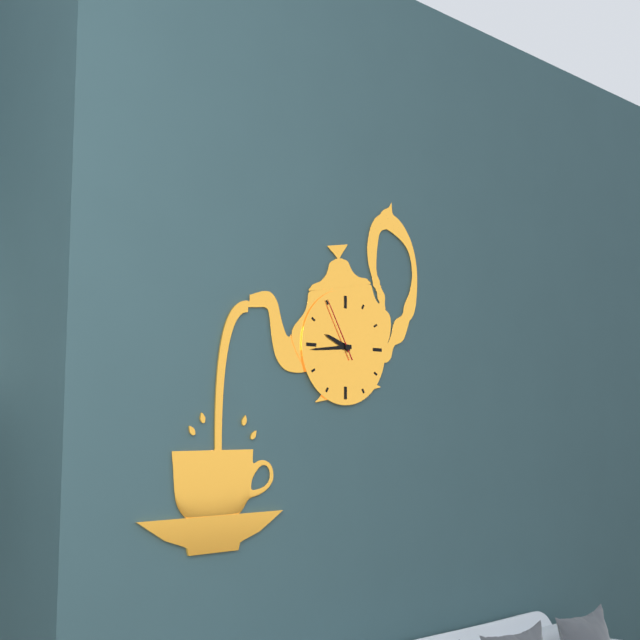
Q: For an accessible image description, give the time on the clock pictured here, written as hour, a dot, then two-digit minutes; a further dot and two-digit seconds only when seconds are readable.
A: 9.44.55
